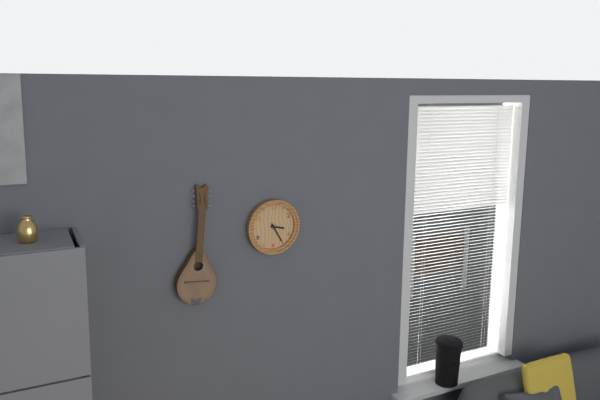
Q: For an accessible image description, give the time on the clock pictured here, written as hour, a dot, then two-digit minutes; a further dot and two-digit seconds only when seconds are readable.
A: 3.25
